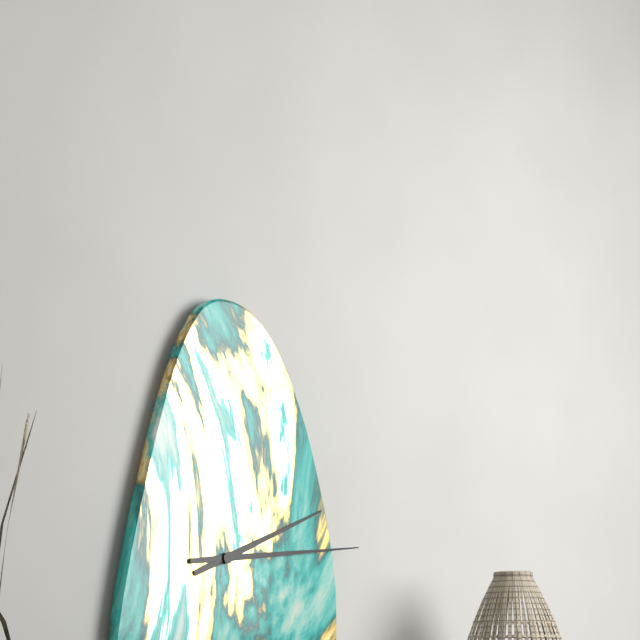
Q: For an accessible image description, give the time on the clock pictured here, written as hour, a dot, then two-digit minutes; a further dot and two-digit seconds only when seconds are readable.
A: 2.14
